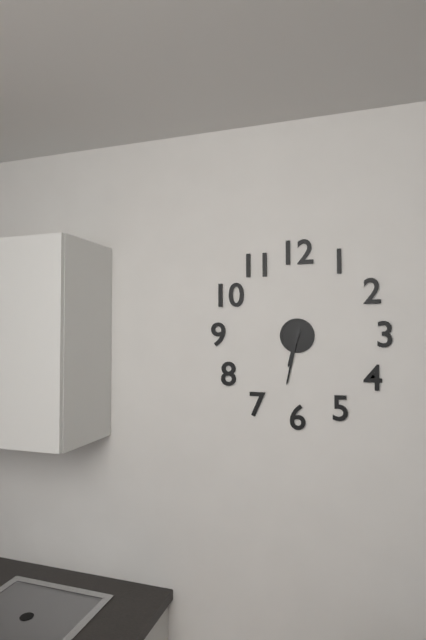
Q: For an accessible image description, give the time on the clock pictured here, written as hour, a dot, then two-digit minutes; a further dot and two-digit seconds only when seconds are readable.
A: 6.32
